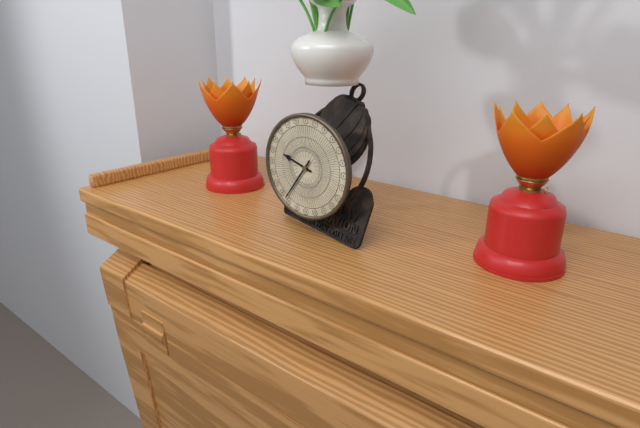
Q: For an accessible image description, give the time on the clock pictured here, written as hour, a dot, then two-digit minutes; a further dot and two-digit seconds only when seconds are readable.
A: 9.36
